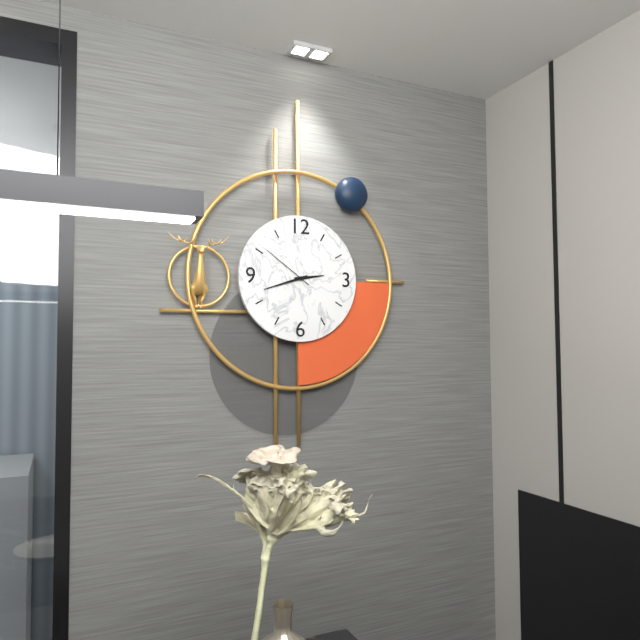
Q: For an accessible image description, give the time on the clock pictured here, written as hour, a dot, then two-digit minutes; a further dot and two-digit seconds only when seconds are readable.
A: 2.42.51
